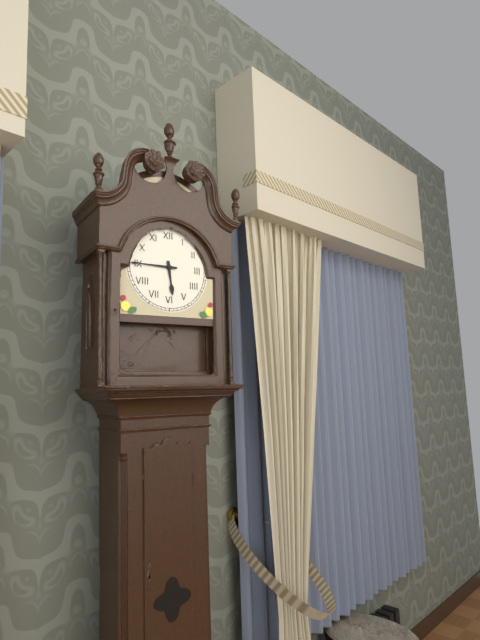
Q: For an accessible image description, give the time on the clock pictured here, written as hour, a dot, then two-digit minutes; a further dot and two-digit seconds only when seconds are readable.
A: 5.45
